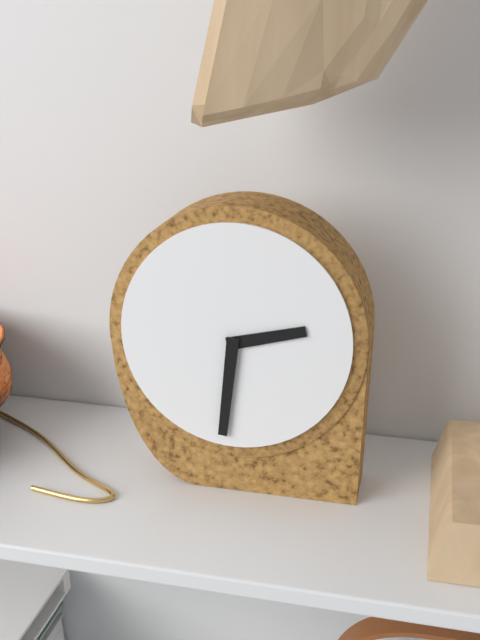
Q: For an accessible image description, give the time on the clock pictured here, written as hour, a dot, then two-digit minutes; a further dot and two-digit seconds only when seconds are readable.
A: 2.31
